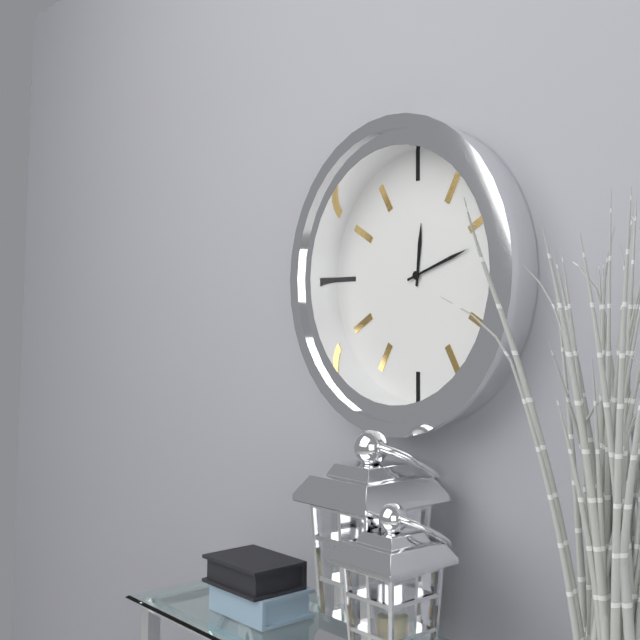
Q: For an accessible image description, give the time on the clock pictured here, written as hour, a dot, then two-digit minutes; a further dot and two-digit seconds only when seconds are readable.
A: 12.12
